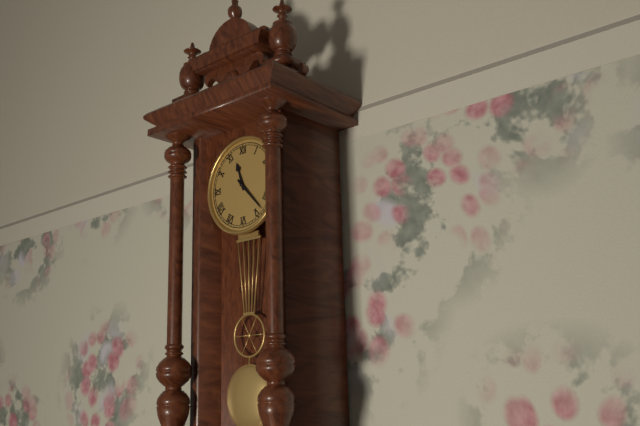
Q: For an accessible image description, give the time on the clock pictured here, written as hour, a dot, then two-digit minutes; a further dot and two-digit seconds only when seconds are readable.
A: 11.23
